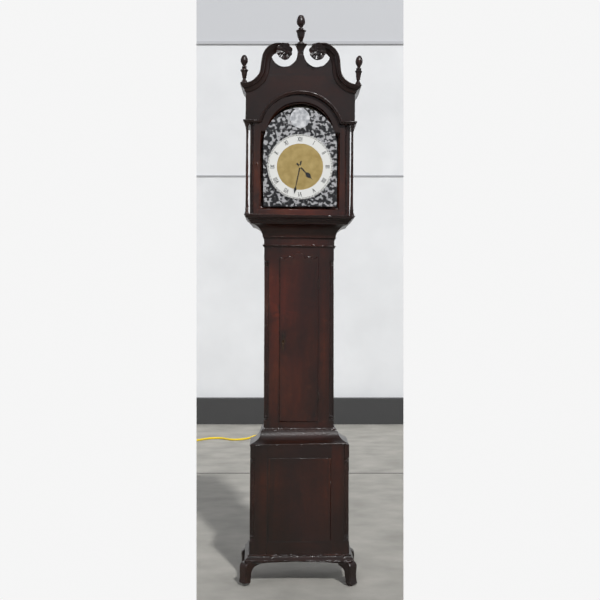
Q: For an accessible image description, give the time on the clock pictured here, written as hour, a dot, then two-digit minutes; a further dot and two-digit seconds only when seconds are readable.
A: 4.32
